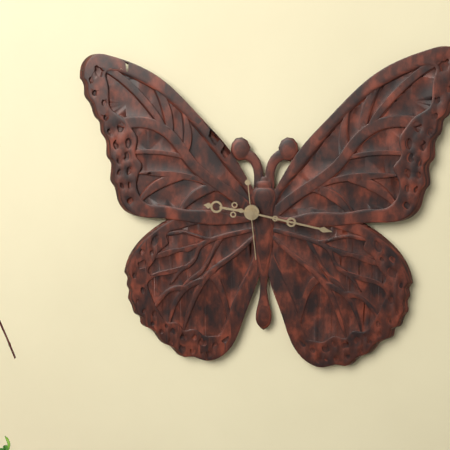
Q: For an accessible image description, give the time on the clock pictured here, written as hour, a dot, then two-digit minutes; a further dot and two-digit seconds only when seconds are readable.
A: 9.17.29
